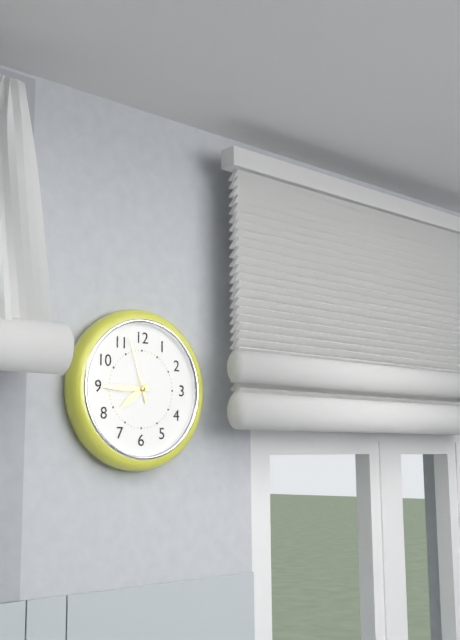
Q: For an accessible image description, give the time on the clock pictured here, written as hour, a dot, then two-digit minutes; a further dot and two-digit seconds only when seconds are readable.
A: 7.45.57
